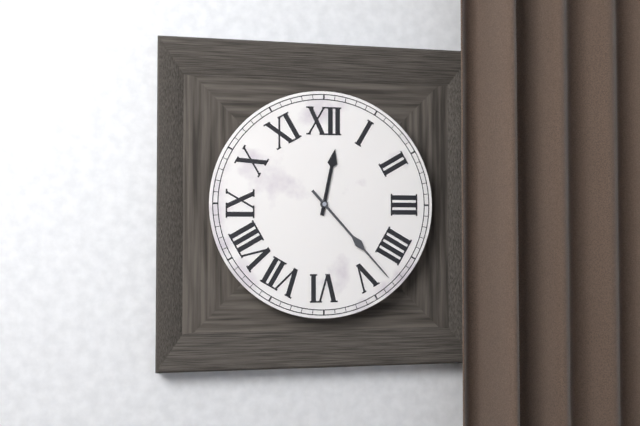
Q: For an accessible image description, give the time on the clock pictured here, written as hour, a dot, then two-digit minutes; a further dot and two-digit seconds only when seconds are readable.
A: 12.23
